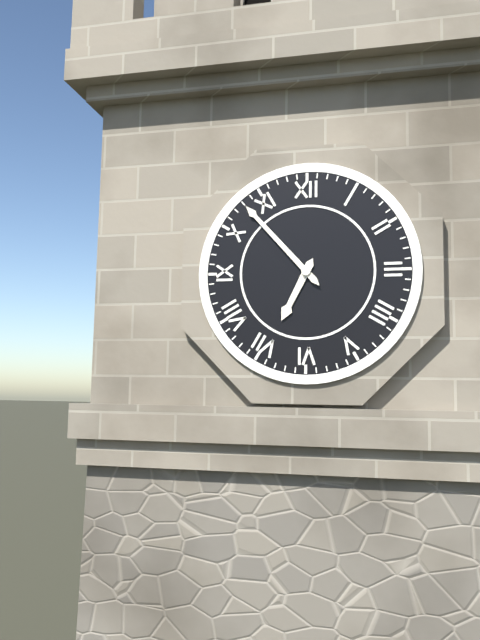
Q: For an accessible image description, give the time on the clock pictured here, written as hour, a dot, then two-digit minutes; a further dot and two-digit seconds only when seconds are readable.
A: 6.53
